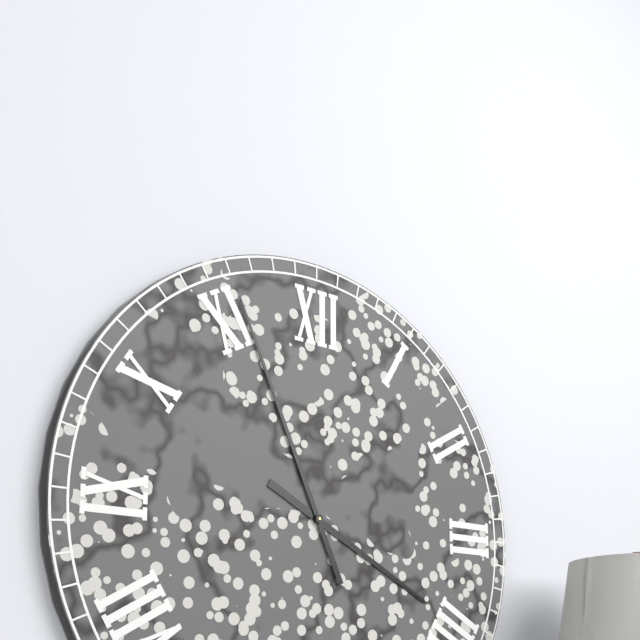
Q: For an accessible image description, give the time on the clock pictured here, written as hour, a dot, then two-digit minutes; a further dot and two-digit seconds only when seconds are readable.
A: 3.56
